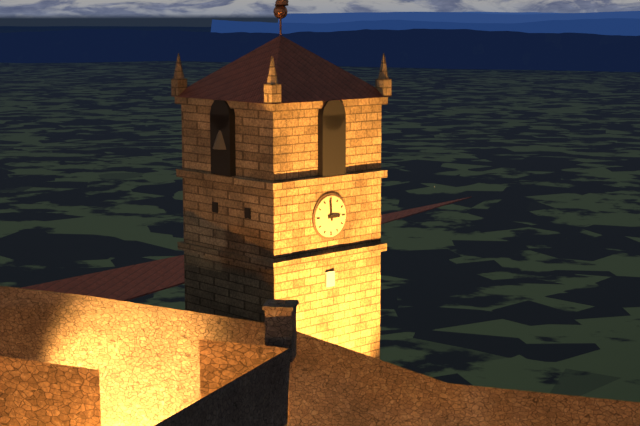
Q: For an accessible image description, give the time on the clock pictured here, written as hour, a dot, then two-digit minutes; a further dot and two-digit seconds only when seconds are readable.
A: 2.59
